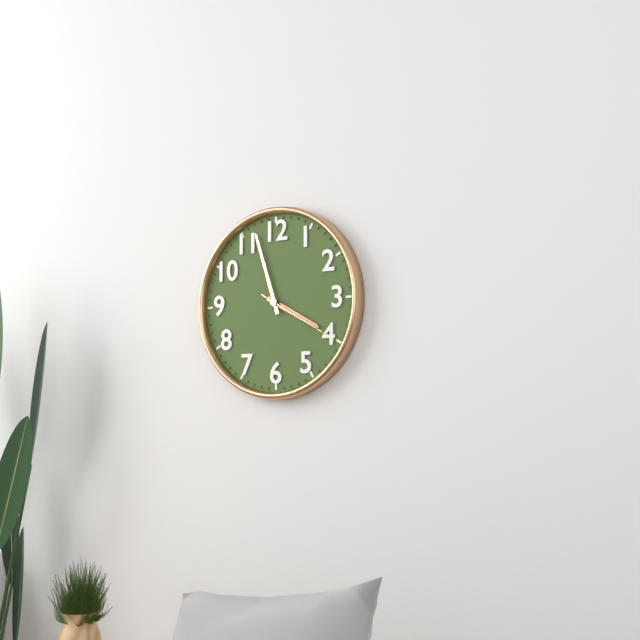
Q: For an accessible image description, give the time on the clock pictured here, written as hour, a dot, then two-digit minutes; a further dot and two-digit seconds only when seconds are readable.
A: 3.57.20
